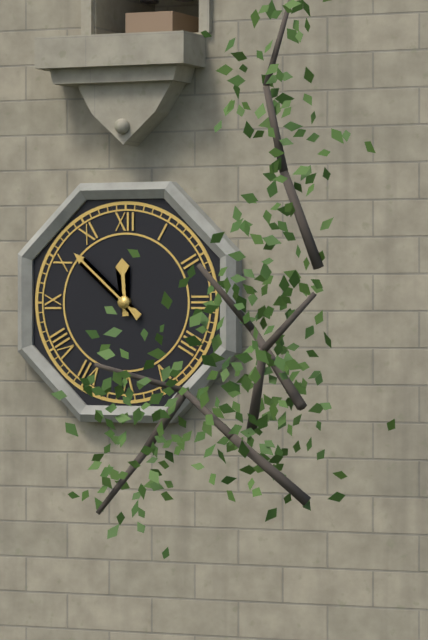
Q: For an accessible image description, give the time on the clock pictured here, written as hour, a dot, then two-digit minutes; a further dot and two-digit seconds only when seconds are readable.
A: 11.52
